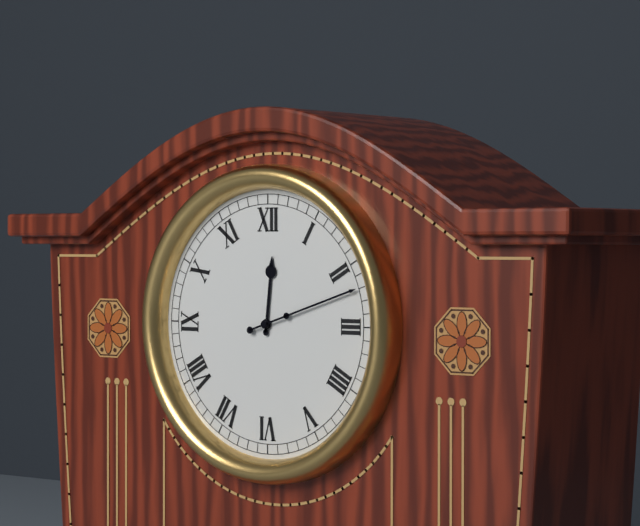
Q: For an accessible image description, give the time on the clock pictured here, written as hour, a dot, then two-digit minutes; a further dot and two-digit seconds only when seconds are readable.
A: 12.12
